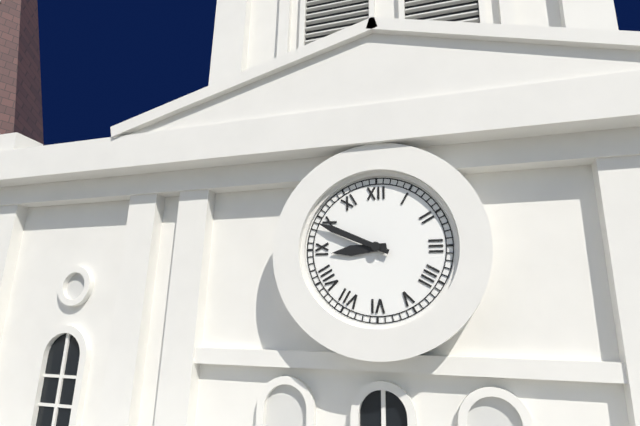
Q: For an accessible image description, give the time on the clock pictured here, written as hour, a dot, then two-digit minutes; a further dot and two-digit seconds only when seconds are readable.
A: 8.49
